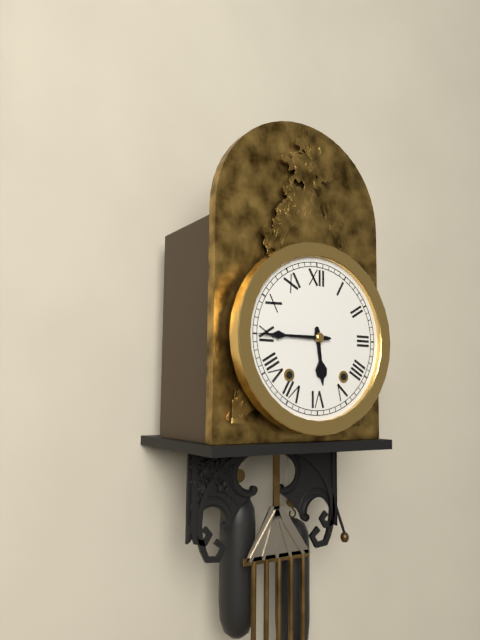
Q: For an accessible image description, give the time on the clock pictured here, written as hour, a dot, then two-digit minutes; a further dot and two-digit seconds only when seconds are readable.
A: 5.45
